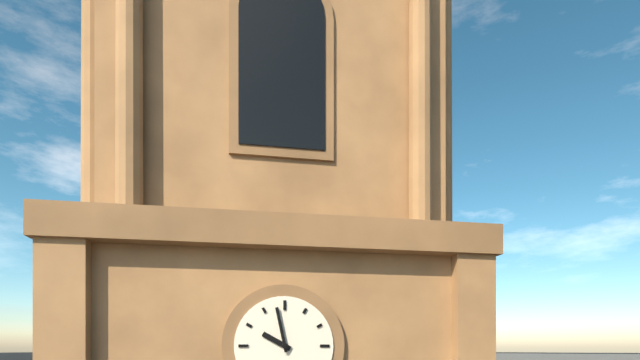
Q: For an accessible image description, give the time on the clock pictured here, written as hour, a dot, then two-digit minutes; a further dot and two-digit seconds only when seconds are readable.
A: 9.58
